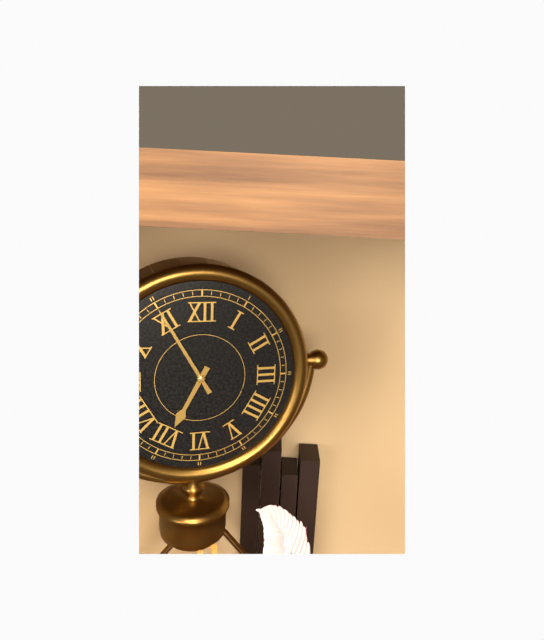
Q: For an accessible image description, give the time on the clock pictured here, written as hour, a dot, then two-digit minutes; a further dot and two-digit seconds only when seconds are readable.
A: 6.55
